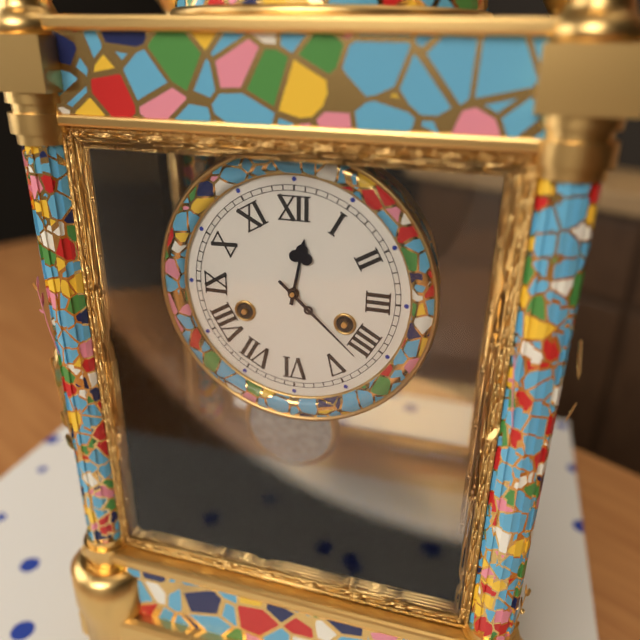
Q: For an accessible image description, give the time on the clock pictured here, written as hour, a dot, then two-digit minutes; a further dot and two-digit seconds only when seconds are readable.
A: 12.22
